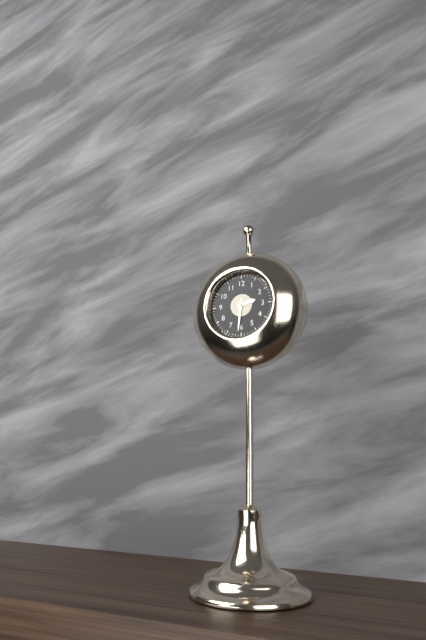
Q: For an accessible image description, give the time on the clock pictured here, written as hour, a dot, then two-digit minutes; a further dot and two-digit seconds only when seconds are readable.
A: 2.31
